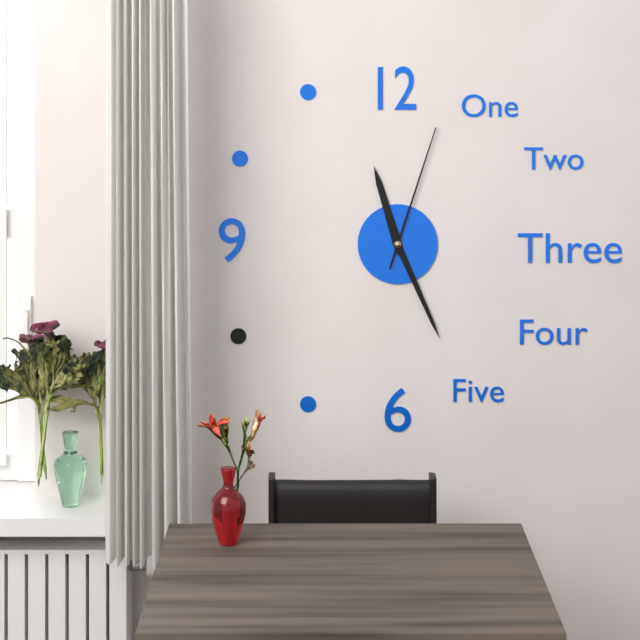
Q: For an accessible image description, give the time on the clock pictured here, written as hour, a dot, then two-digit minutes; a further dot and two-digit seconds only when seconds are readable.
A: 11.26.03
